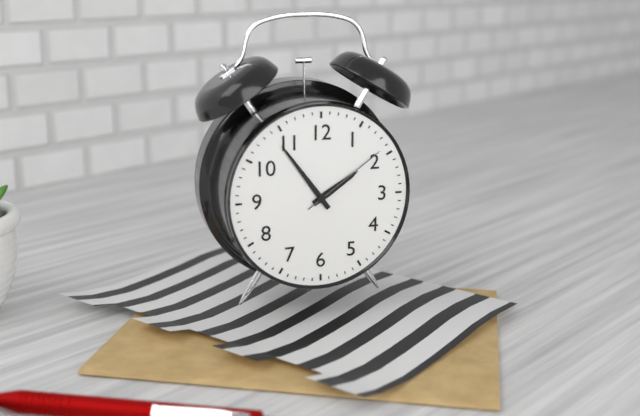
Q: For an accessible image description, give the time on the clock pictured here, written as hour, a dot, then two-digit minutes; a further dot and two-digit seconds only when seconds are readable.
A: 1.54.09
